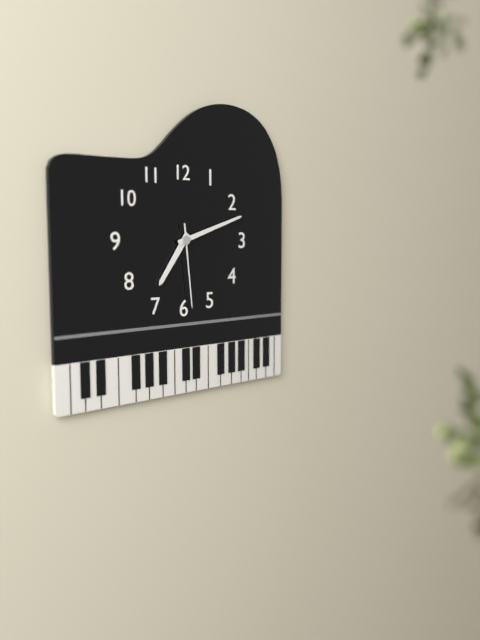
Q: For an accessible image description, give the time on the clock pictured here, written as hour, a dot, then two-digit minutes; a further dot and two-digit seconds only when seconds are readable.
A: 7.12.29
